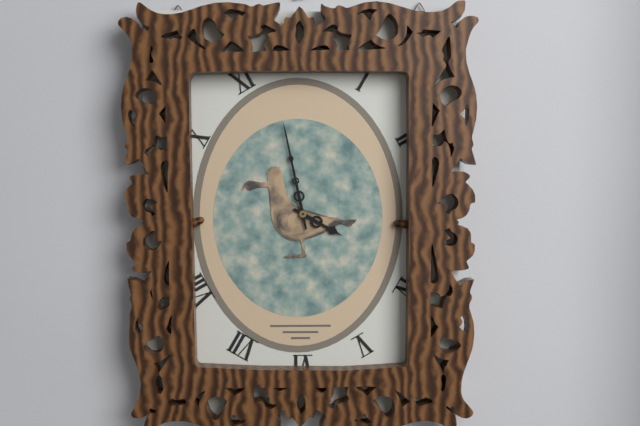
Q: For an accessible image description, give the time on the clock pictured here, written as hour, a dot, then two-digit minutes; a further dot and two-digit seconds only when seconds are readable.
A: 3.58
